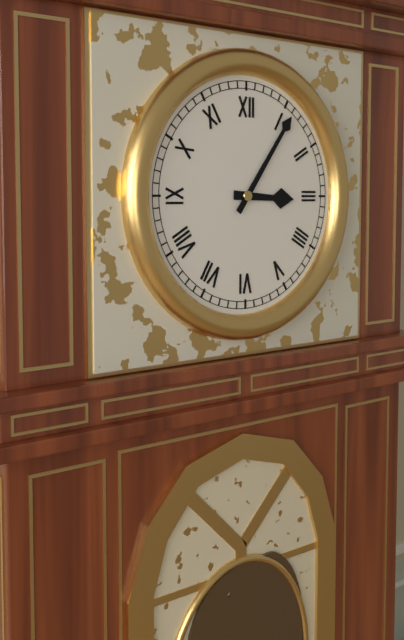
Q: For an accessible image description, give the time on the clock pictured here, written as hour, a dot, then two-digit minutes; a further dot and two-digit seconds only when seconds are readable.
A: 3.06
